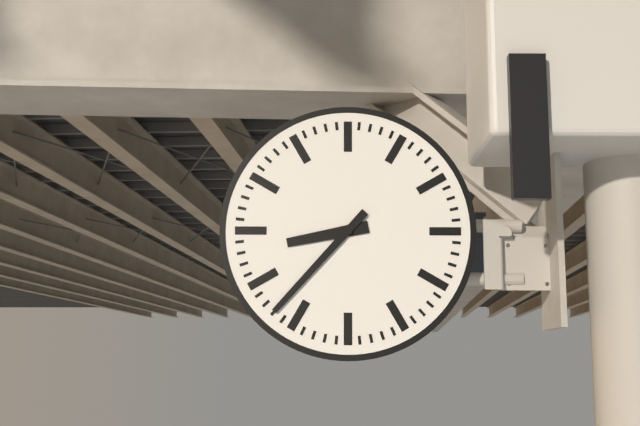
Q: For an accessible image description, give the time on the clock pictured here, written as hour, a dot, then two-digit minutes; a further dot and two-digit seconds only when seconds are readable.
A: 8.37
